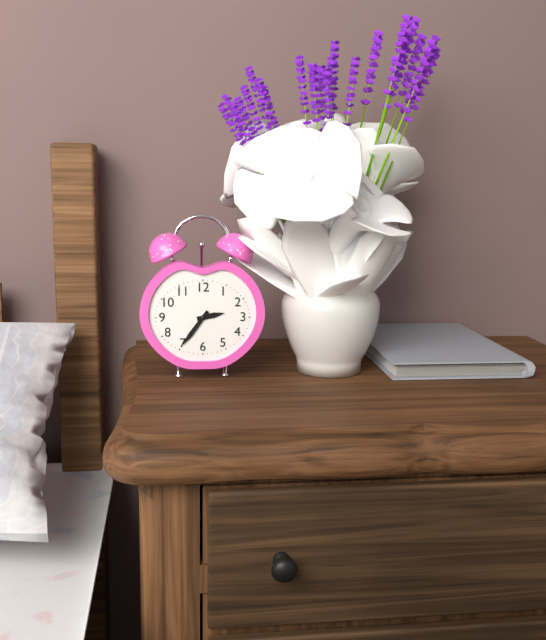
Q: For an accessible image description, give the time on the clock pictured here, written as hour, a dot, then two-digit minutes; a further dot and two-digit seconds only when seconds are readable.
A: 2.36
